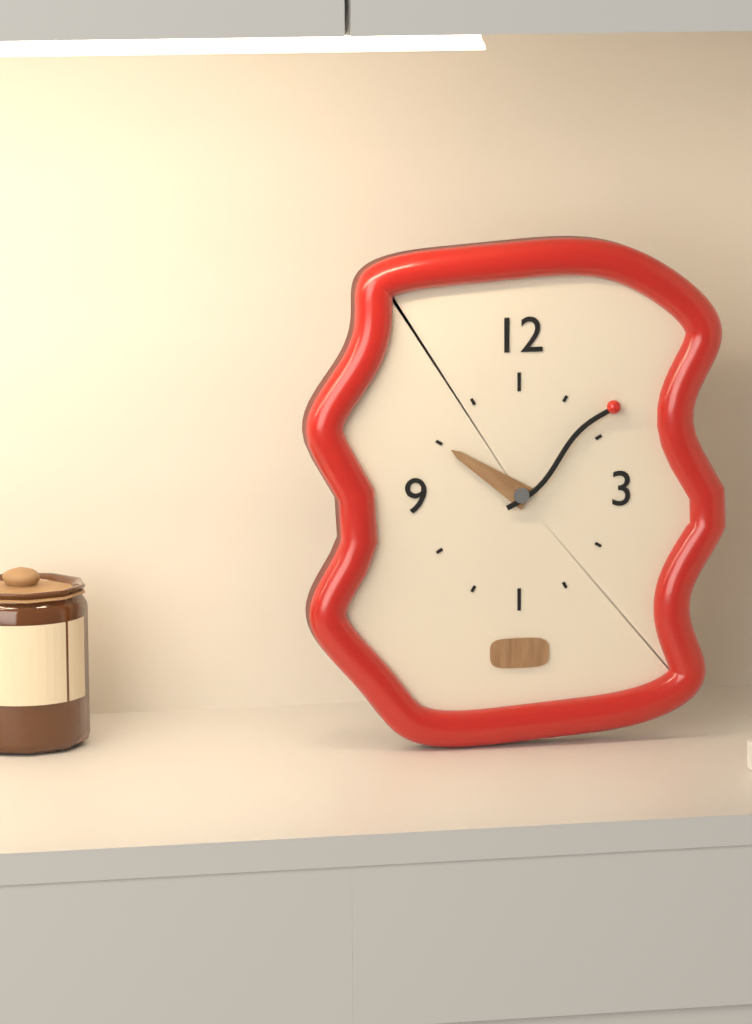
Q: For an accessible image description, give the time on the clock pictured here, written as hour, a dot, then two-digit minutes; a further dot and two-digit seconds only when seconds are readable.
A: 10.08
